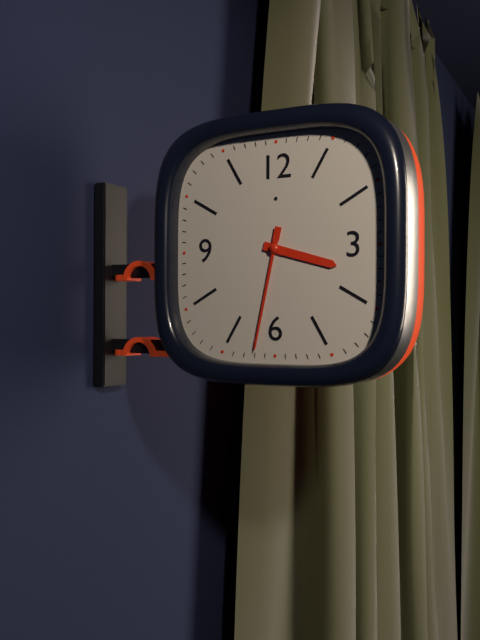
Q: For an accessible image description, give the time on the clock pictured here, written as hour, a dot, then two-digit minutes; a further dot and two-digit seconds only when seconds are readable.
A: 3.32
